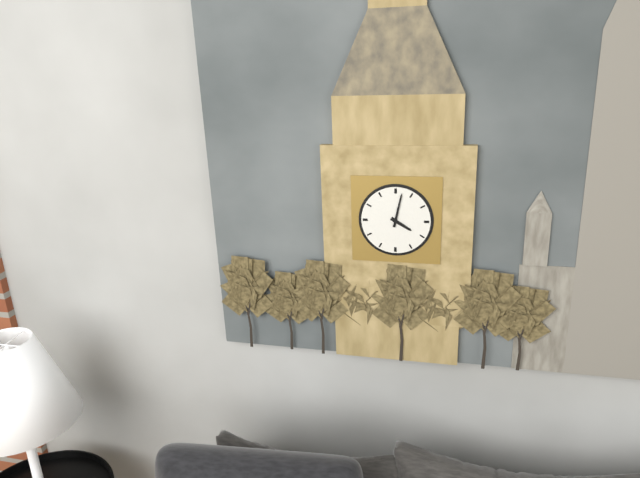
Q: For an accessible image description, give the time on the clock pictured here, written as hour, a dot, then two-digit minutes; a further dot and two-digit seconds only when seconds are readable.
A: 4.02
